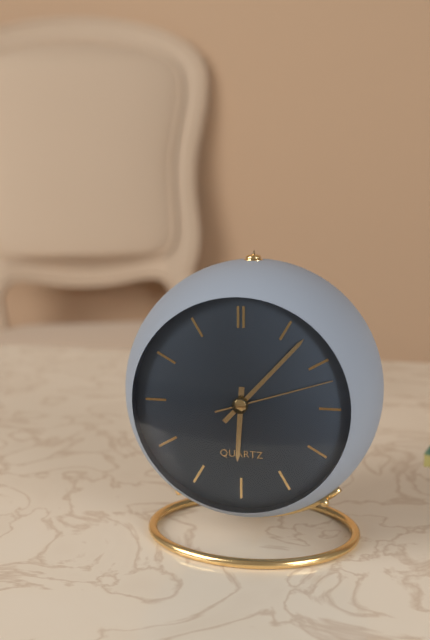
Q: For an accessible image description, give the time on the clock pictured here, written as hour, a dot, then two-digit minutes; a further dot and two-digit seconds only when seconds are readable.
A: 6.07.12
